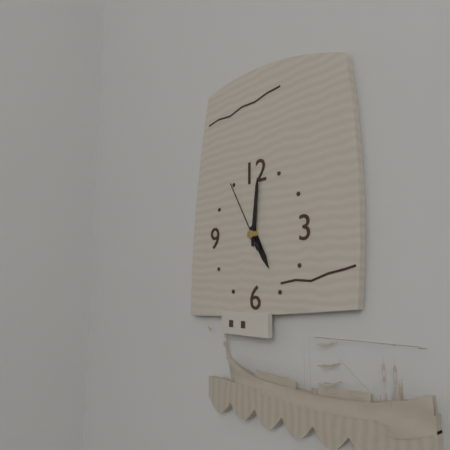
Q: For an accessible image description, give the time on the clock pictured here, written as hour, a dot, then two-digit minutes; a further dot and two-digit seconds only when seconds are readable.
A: 5.01.55
